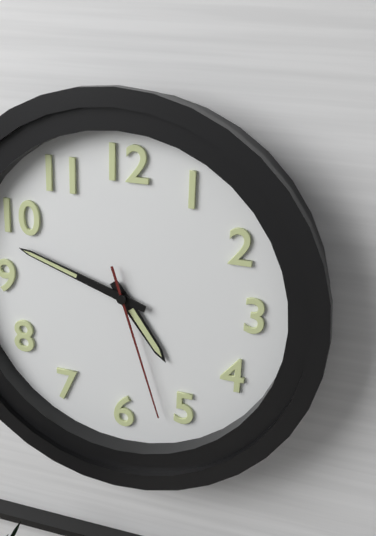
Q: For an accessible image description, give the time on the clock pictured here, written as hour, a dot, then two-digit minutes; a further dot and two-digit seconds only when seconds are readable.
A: 4.48.27
